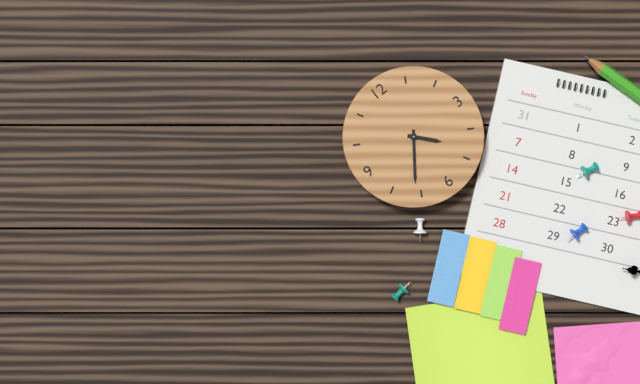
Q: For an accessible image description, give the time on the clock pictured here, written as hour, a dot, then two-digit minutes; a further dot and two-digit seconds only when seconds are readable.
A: 4.36
